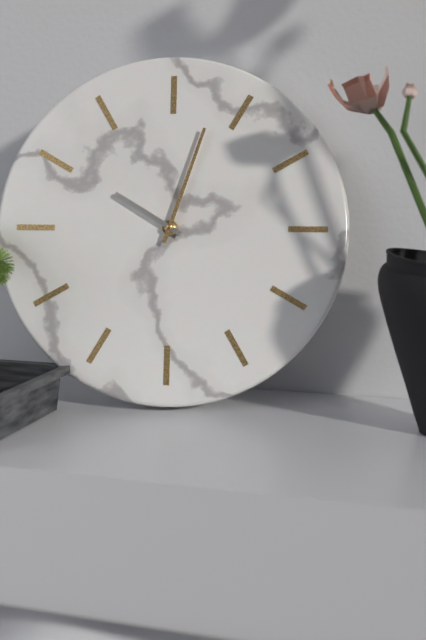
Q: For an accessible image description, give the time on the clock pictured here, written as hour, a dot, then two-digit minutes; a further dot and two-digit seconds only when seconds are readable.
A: 10.03
